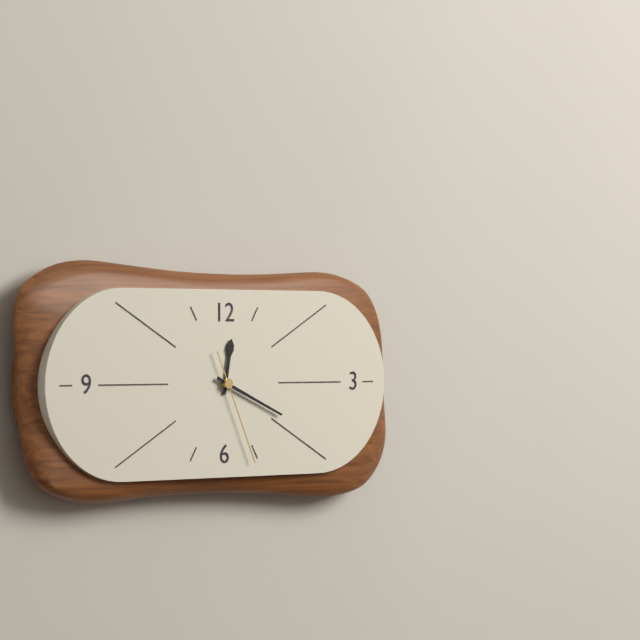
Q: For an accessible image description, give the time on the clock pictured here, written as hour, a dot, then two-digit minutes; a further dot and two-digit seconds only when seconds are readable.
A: 12.19.26
